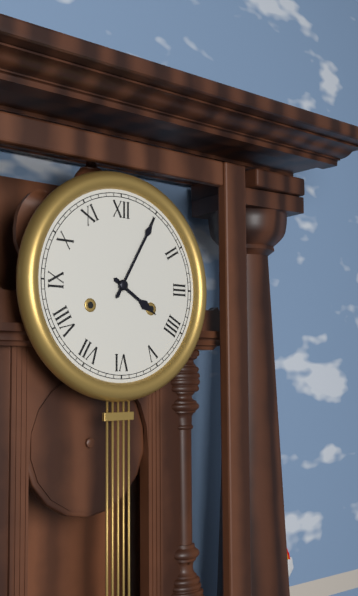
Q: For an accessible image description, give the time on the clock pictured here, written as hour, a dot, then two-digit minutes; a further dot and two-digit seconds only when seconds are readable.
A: 4.05
